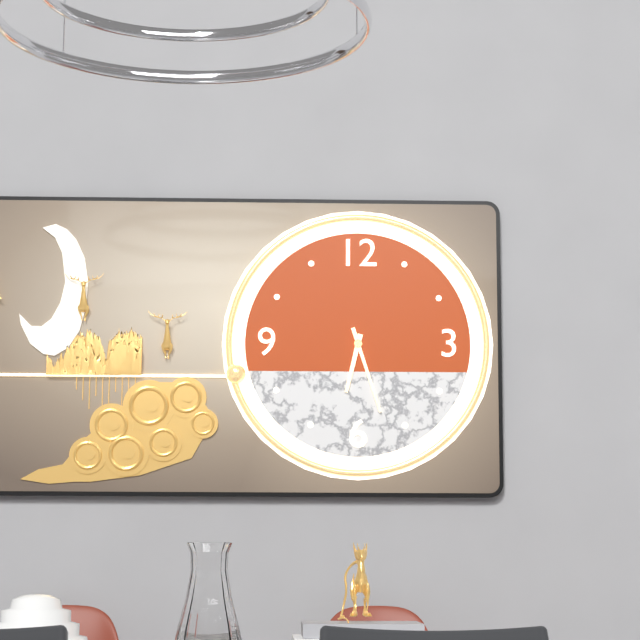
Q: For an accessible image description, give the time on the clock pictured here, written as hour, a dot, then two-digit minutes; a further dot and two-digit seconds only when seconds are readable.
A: 6.27
